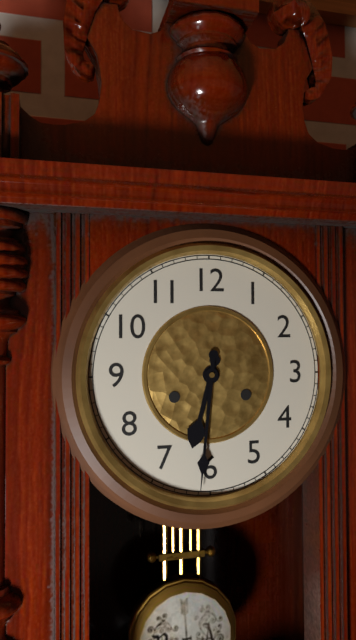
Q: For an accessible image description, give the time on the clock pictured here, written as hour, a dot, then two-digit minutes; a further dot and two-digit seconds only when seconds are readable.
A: 6.31
